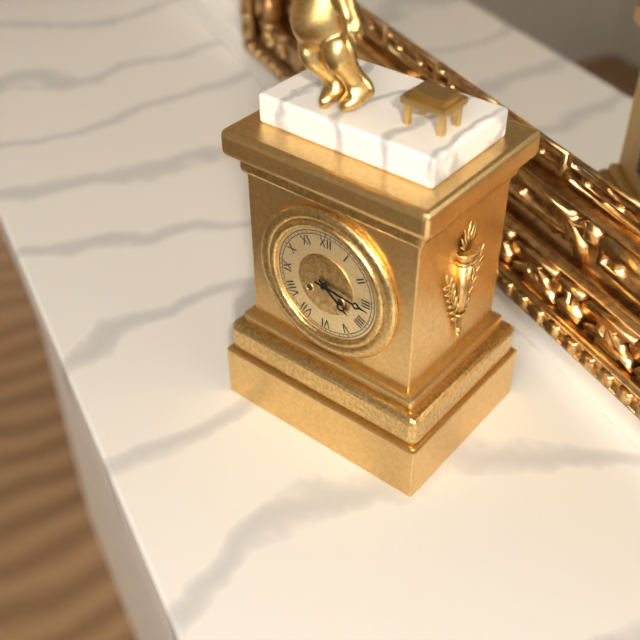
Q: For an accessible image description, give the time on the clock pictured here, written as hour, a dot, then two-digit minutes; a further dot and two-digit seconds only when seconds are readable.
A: 4.16
